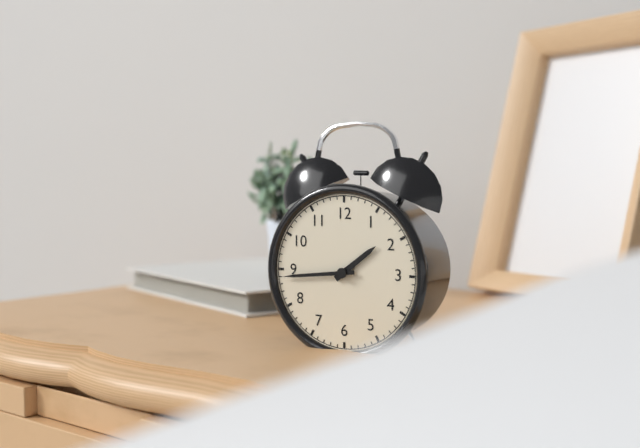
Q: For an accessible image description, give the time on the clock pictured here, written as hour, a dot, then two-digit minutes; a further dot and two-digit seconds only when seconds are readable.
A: 1.44
